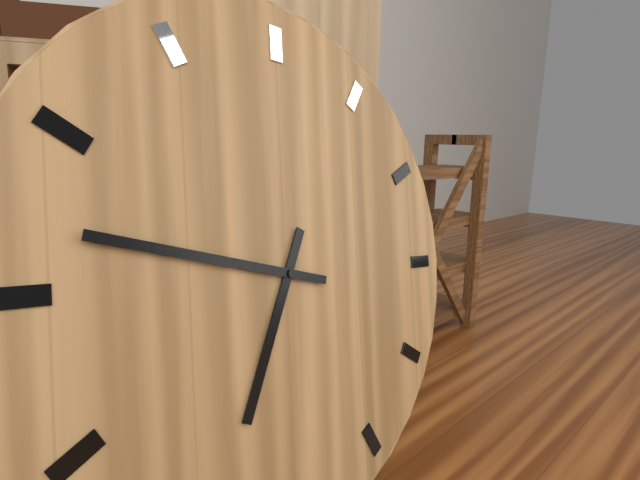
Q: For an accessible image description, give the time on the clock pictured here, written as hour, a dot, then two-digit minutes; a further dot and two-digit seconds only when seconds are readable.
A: 6.47
